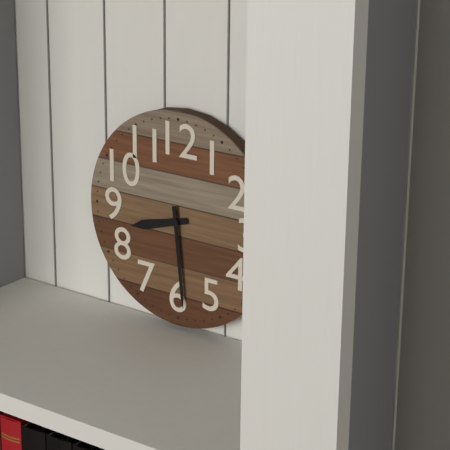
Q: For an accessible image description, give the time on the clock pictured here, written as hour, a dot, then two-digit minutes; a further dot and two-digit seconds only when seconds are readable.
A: 8.29
